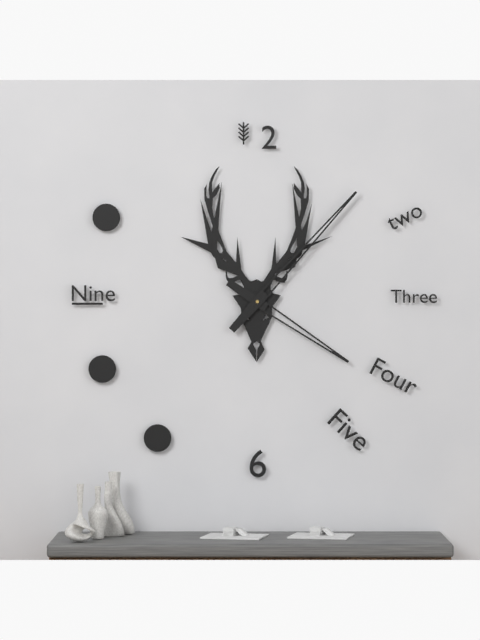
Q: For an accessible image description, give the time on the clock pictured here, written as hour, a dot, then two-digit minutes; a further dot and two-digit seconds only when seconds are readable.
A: 4.07
